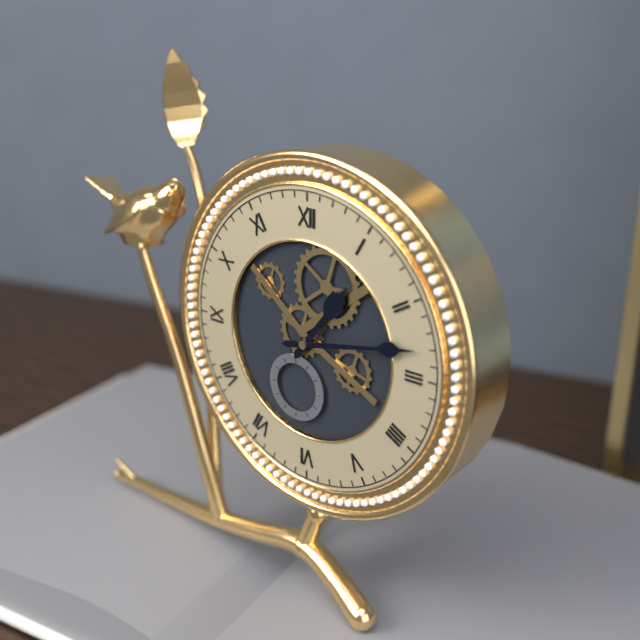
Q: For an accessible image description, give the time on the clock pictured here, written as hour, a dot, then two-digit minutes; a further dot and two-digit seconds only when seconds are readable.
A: 1.13
